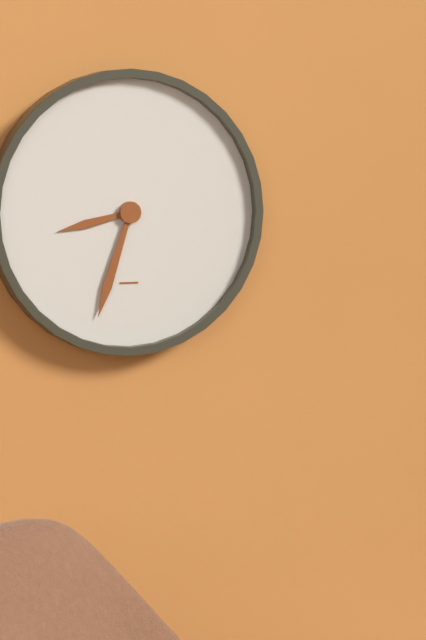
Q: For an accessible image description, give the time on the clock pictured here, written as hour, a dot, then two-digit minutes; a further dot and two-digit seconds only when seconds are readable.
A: 8.33
